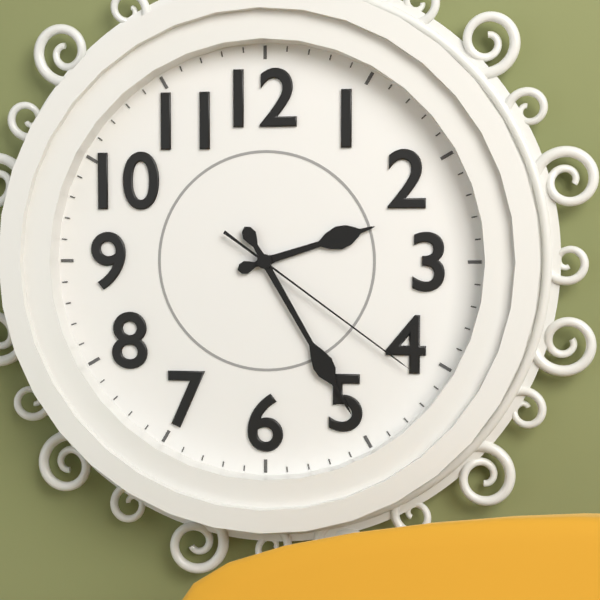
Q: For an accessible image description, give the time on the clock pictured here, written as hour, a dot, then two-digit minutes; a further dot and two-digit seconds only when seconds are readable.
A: 2.25.21
